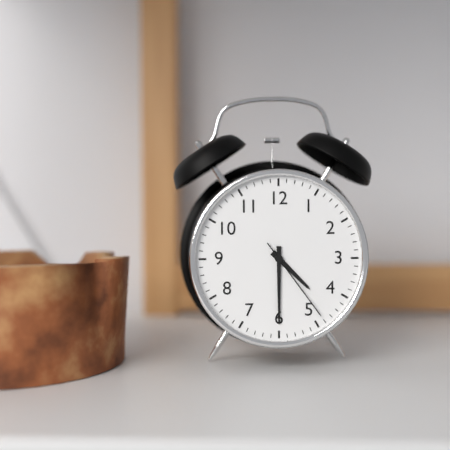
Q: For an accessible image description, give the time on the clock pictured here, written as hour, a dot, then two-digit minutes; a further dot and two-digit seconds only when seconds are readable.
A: 4.30.24
